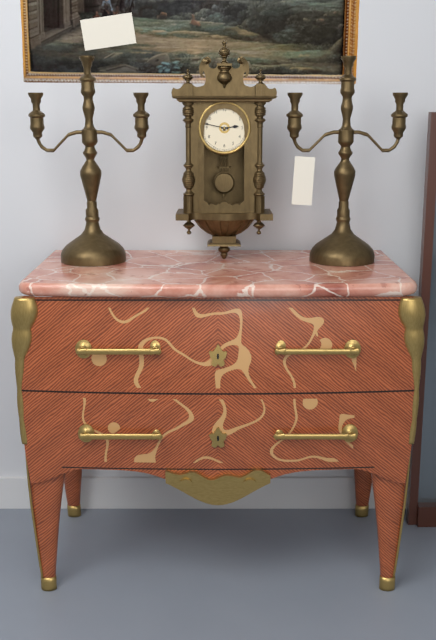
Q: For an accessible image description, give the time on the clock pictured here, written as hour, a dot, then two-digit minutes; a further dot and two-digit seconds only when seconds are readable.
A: 2.47
